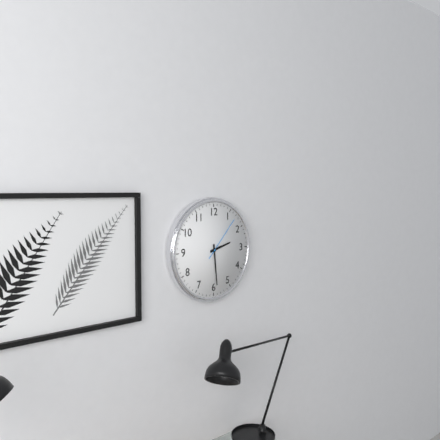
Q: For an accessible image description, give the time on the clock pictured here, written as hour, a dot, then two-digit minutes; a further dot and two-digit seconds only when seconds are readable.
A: 2.29
